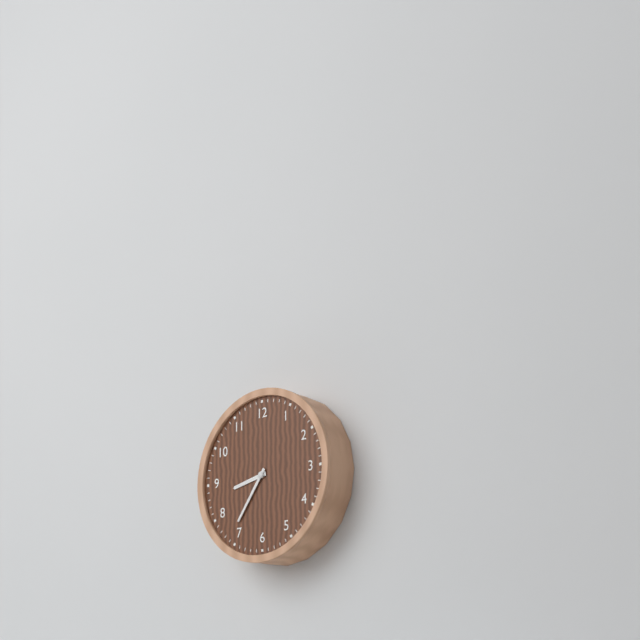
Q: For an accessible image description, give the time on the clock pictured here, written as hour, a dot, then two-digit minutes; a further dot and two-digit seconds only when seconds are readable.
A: 8.36
